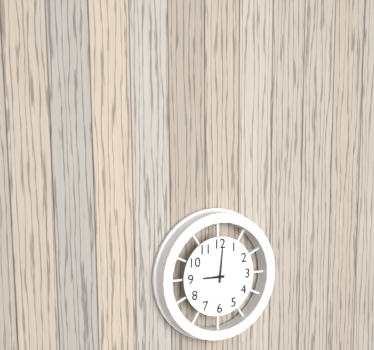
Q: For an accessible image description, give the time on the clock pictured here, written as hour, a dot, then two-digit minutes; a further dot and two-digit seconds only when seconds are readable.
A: 9.01
